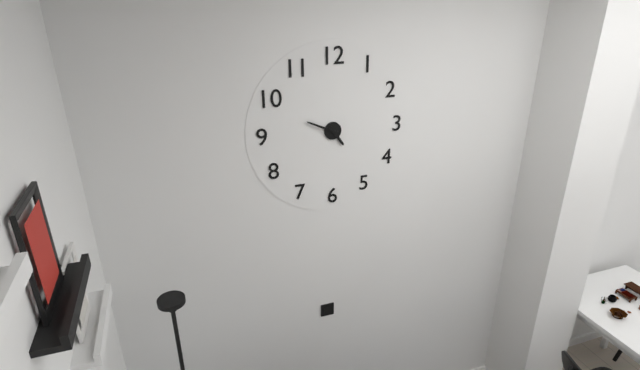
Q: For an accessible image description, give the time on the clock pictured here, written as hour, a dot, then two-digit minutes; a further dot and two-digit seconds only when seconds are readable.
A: 4.49
